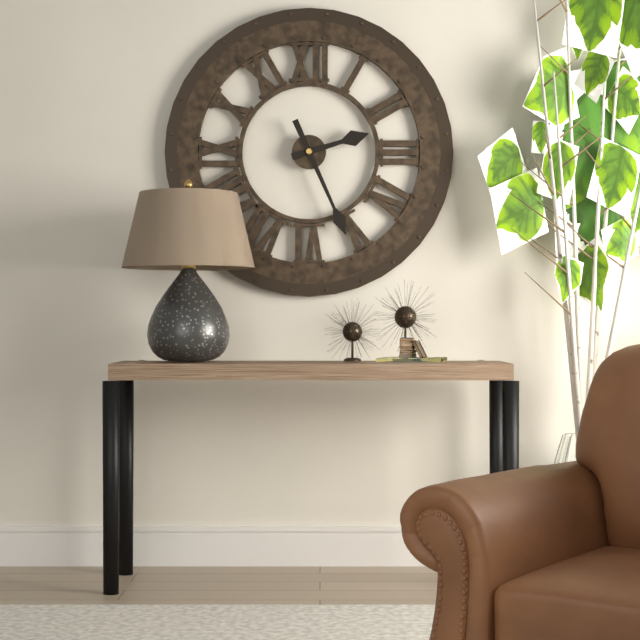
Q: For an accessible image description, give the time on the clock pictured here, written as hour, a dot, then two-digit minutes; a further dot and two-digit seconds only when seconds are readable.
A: 2.26
